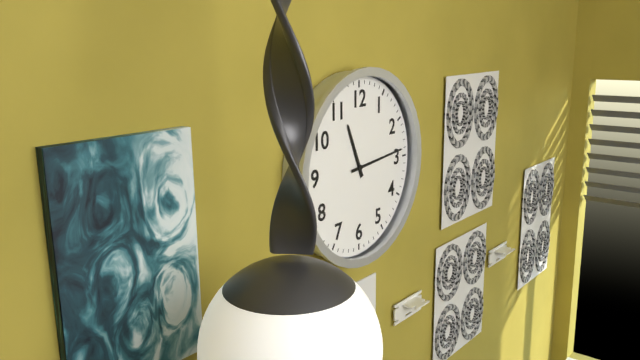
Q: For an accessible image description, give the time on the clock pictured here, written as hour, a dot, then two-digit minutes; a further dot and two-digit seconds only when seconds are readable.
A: 11.14
